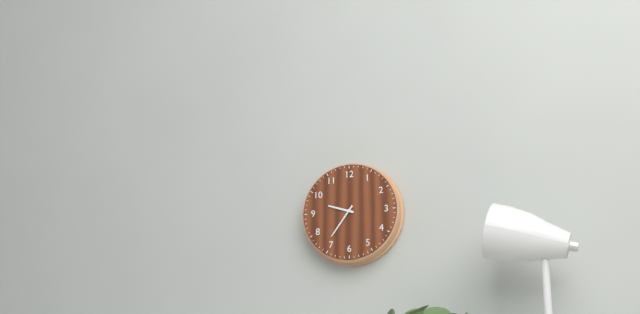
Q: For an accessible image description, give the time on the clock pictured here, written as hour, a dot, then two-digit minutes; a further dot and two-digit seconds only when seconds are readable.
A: 9.36
